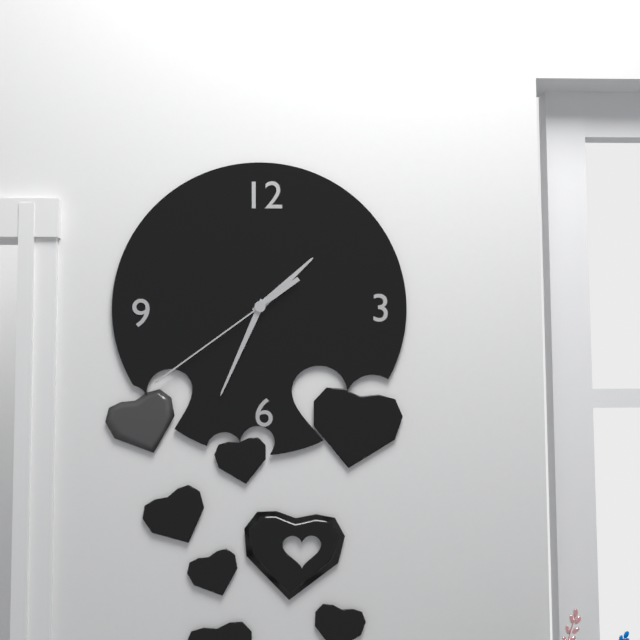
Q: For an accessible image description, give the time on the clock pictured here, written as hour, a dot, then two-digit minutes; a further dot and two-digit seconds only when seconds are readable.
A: 1.34.39
